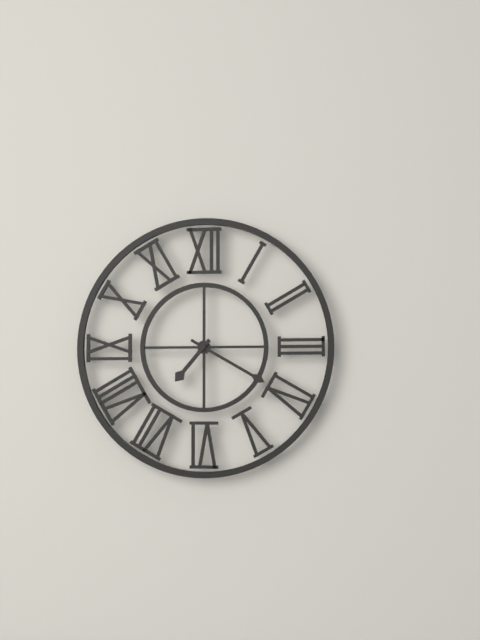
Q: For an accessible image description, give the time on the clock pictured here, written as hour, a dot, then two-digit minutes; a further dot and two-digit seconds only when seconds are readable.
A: 7.20
